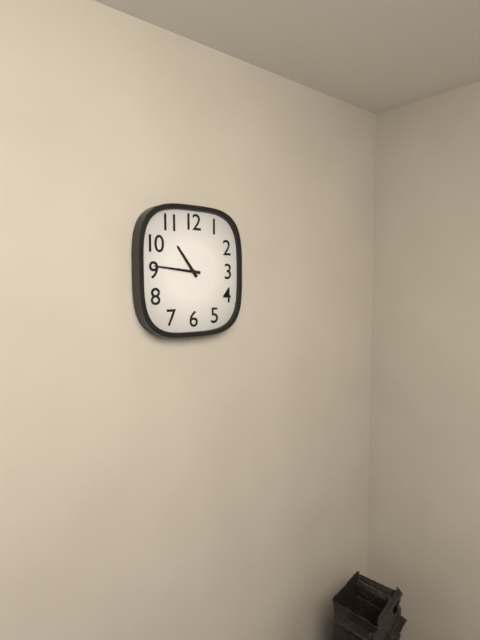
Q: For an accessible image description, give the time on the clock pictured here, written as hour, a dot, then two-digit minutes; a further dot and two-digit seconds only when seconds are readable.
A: 10.46
